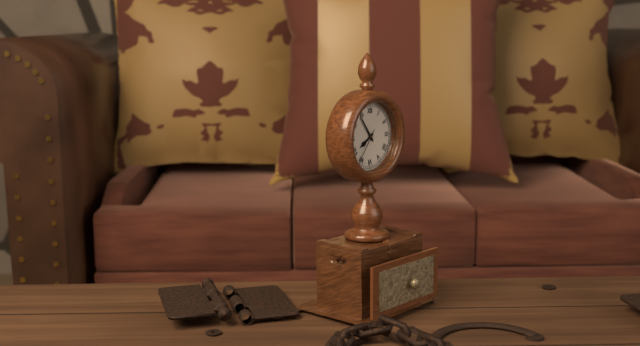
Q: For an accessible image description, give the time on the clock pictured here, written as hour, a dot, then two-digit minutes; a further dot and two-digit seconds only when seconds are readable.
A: 7.54
